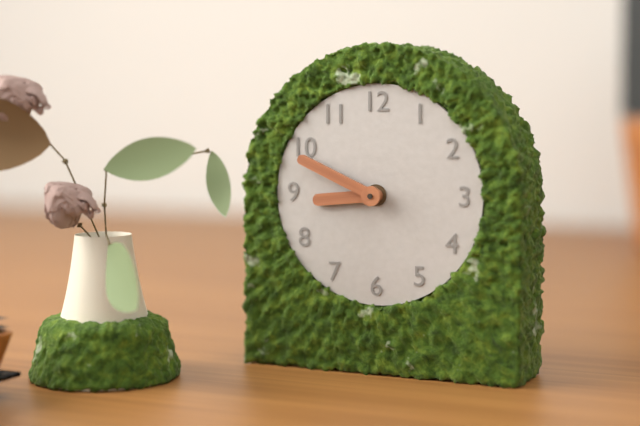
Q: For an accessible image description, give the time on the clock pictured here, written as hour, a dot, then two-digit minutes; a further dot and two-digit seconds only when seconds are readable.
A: 8.49
